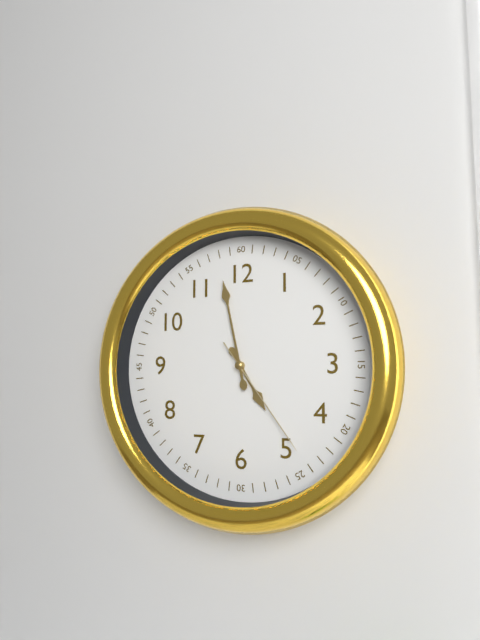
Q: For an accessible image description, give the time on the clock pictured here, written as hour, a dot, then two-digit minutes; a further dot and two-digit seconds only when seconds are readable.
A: 4.58.24
